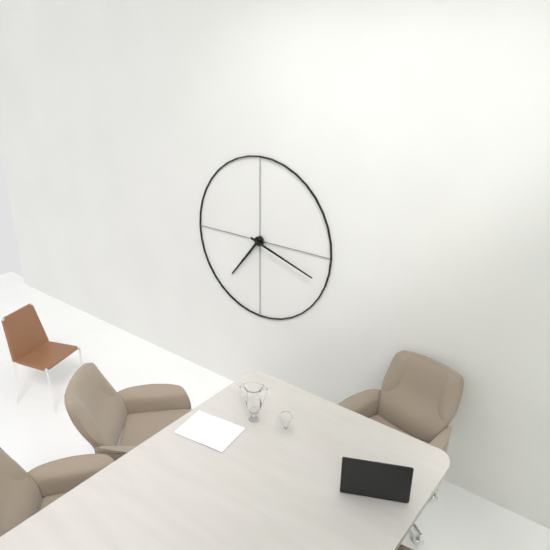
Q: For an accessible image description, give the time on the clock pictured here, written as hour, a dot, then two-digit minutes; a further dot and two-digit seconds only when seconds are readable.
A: 7.18
